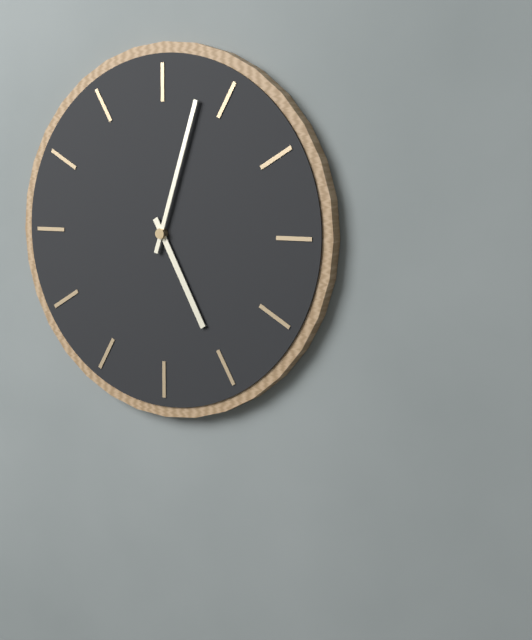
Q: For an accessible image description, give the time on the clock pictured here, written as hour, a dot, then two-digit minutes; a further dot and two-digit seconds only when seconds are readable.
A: 5.03
